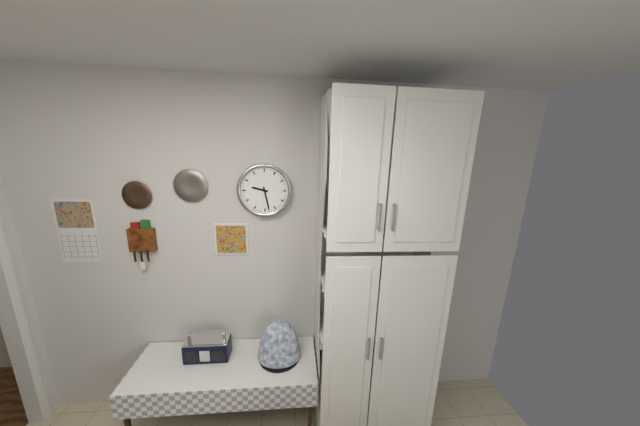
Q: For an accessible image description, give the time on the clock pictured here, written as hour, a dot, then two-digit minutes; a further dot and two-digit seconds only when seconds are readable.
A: 9.28
